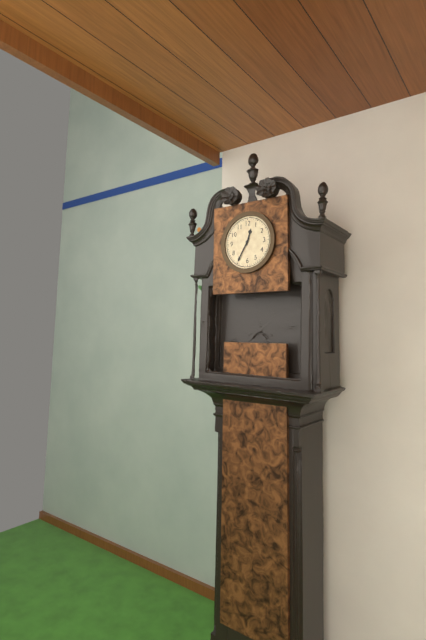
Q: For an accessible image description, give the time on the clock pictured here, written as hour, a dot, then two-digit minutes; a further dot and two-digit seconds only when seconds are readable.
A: 12.35
